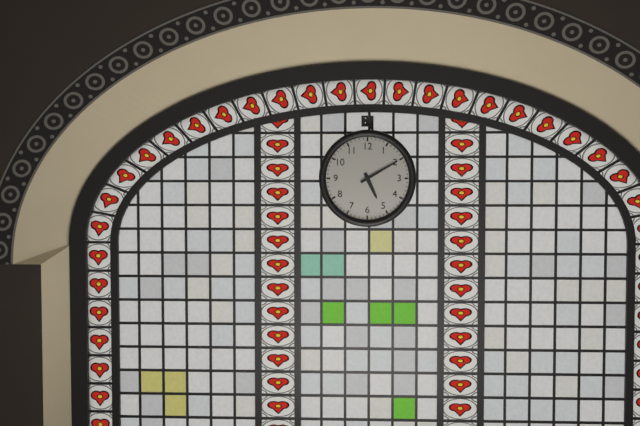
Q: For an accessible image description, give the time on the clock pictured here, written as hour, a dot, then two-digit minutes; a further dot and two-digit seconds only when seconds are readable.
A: 5.10
